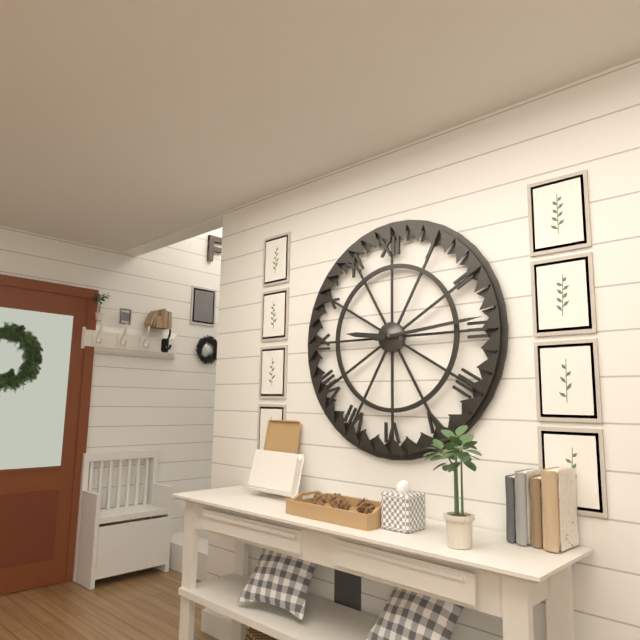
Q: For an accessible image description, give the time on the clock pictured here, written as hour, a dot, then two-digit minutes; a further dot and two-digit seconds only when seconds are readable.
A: 9.14
